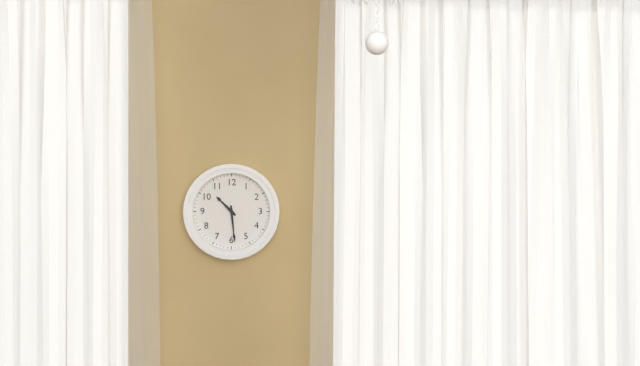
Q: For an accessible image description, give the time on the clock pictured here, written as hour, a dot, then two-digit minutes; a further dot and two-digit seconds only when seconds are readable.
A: 10.29
